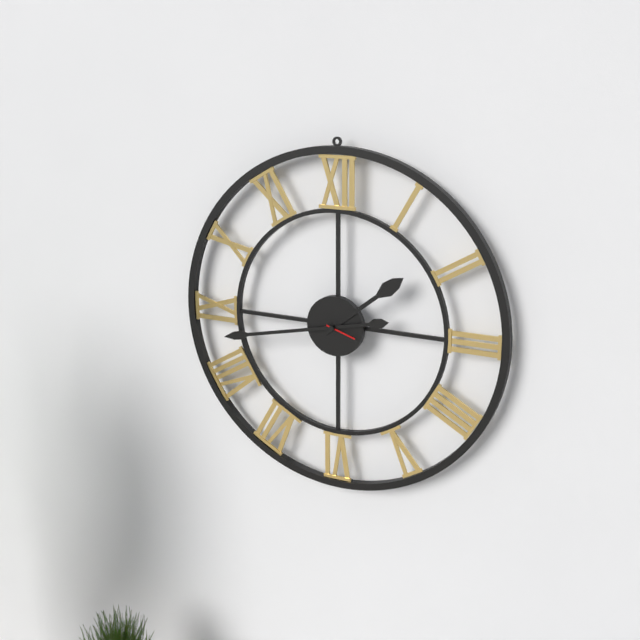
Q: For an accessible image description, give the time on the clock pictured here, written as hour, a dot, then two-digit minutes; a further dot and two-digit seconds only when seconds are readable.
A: 1.43
